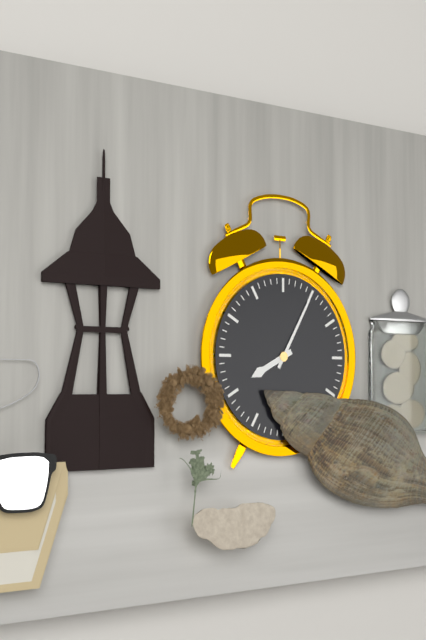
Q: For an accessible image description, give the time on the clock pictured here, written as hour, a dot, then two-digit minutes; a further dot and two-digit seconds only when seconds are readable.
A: 8.05
